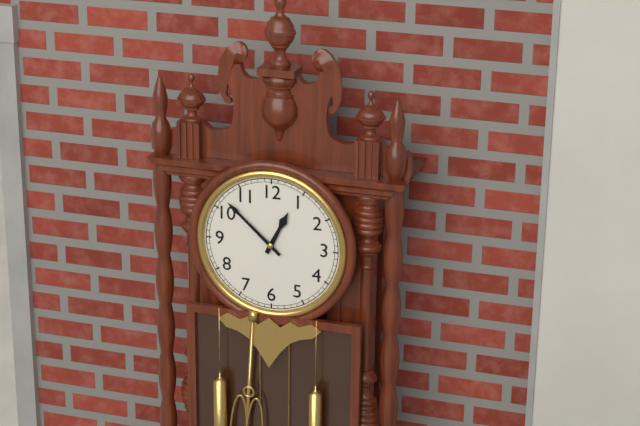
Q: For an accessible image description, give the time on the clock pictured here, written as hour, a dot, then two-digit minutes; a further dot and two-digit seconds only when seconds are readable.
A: 12.52
